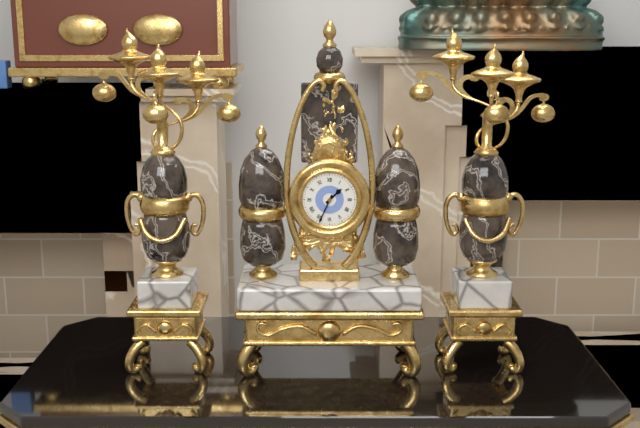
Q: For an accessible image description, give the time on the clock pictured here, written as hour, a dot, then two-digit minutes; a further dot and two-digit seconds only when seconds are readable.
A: 1.34
